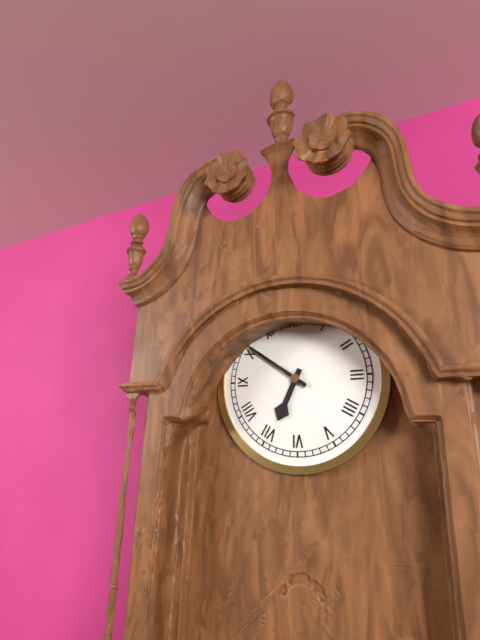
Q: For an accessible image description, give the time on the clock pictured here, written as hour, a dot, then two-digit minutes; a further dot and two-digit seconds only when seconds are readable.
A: 6.51
